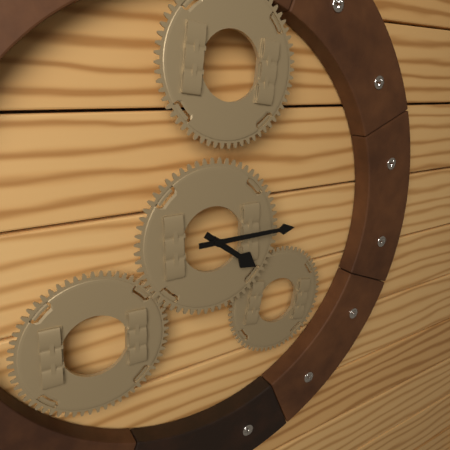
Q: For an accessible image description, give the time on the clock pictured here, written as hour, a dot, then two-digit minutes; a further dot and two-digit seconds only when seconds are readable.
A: 4.15
